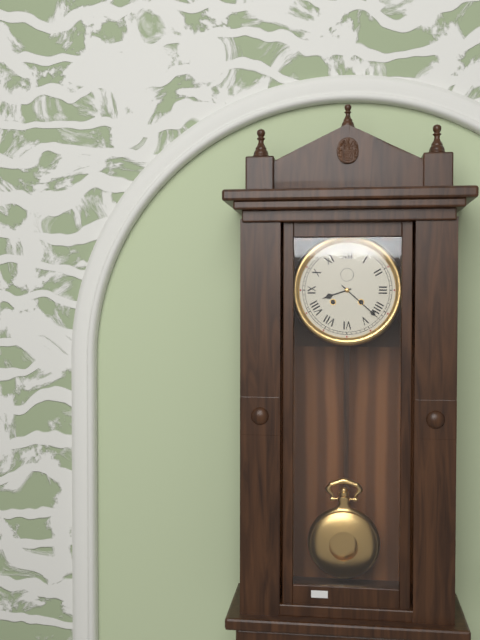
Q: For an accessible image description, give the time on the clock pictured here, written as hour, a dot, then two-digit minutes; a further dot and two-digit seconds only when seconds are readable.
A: 8.22
